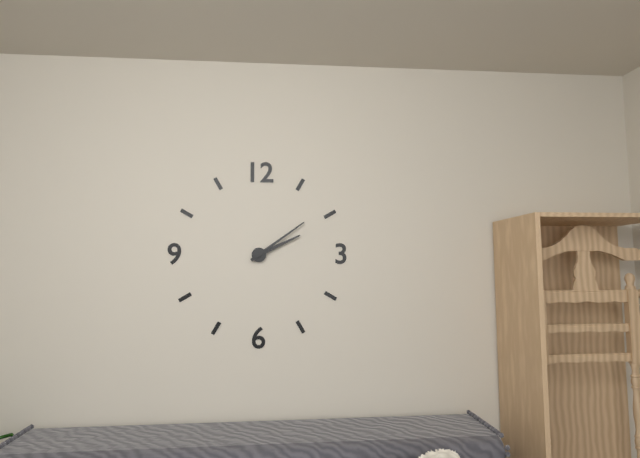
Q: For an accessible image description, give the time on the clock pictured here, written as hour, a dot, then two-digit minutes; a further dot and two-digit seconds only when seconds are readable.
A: 2.09
